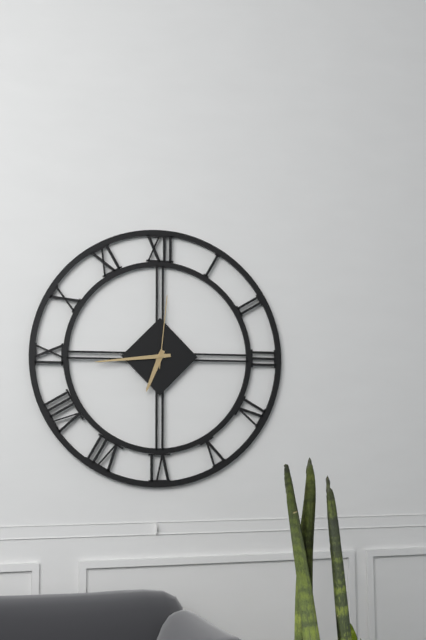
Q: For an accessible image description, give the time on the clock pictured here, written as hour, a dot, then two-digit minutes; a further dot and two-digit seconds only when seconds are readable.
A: 6.44.01
